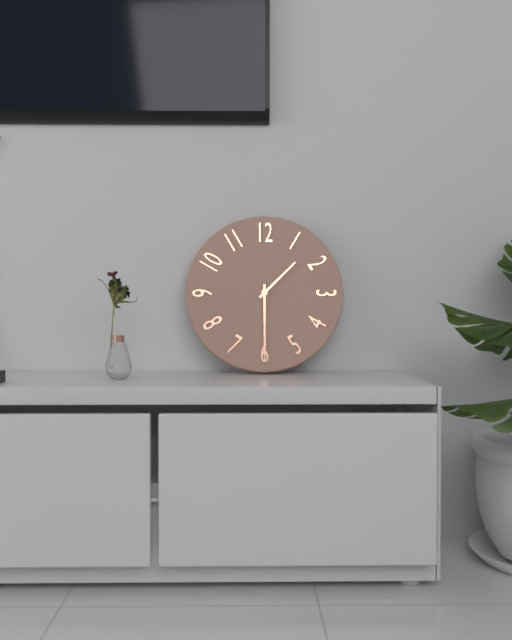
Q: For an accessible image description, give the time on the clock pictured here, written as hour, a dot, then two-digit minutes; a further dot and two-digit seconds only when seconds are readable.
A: 1.30
